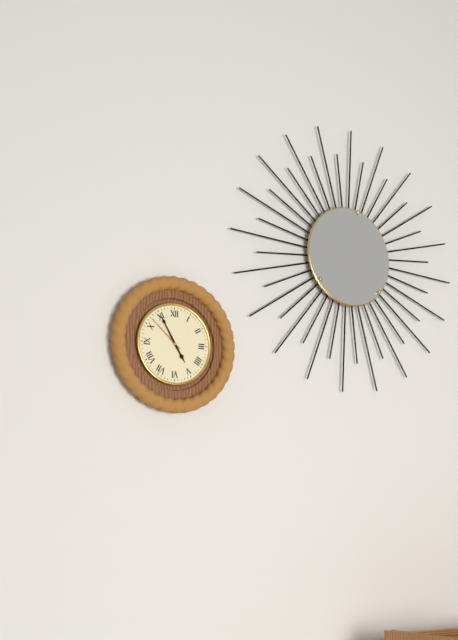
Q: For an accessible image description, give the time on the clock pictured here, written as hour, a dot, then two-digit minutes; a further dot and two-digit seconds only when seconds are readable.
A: 4.55
